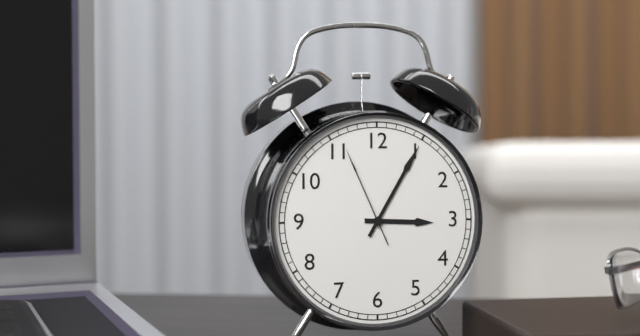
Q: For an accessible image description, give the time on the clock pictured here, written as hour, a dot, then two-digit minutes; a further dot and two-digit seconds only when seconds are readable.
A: 3.05.56
